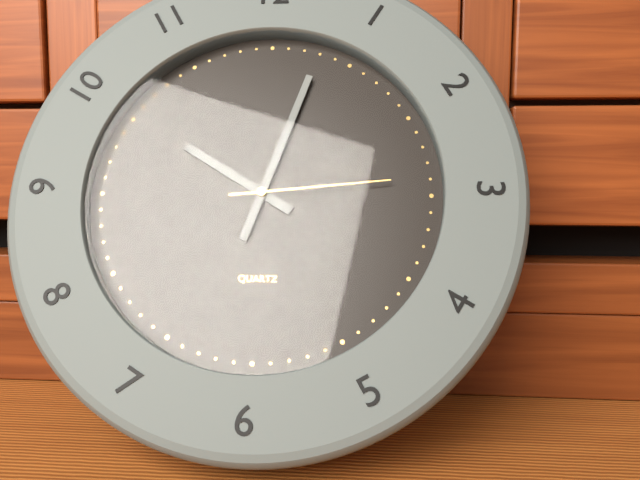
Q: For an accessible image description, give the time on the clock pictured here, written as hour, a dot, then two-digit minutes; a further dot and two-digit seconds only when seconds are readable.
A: 10.03.14
